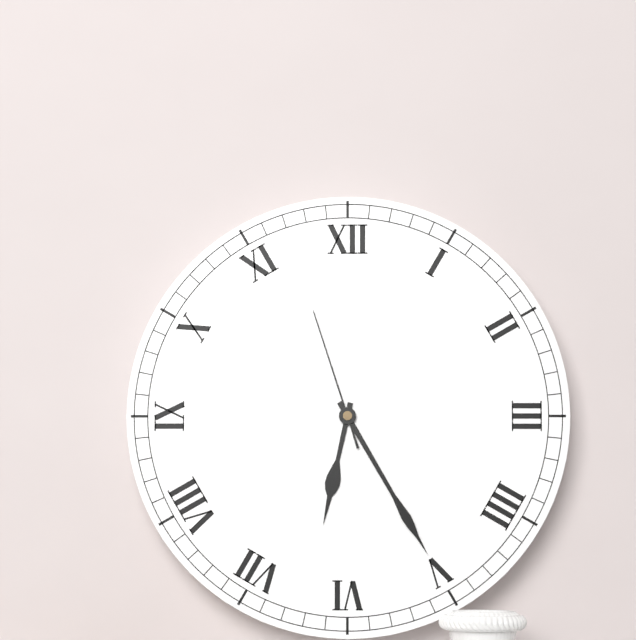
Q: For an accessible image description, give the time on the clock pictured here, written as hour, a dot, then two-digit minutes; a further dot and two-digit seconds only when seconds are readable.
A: 6.25.57
